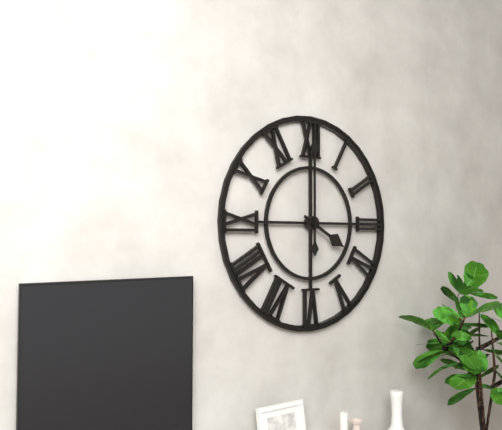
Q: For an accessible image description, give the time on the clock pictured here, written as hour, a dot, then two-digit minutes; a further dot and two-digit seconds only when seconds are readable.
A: 4.00
